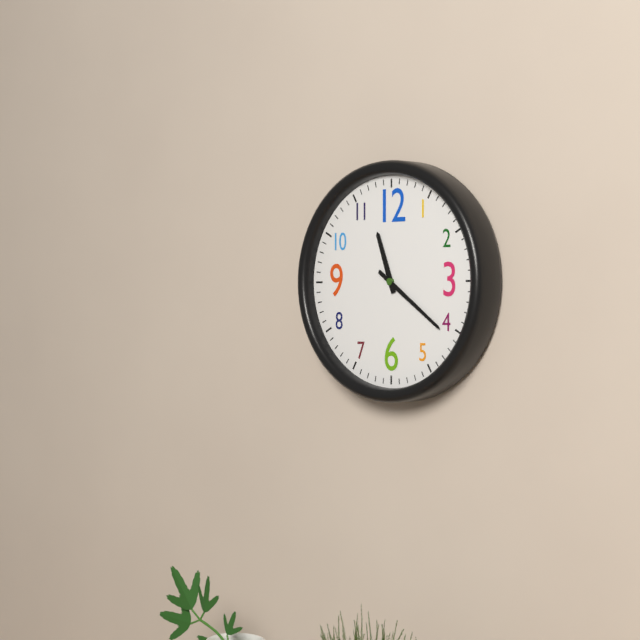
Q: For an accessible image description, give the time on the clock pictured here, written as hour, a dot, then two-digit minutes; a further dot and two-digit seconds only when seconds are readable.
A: 11.21
